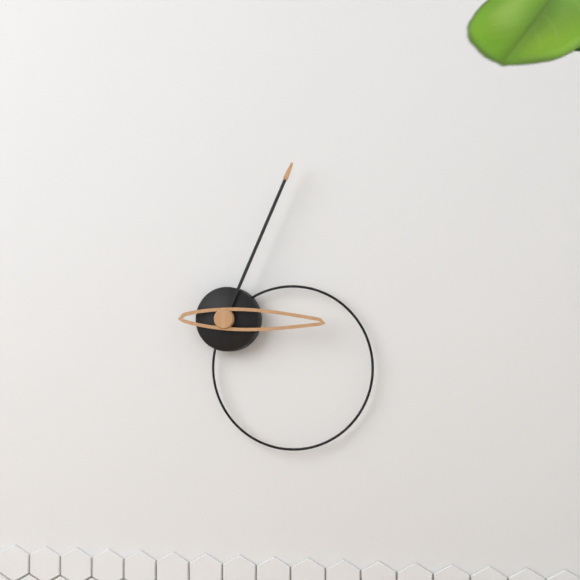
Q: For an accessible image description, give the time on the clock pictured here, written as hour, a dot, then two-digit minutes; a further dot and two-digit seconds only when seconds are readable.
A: 3.04
